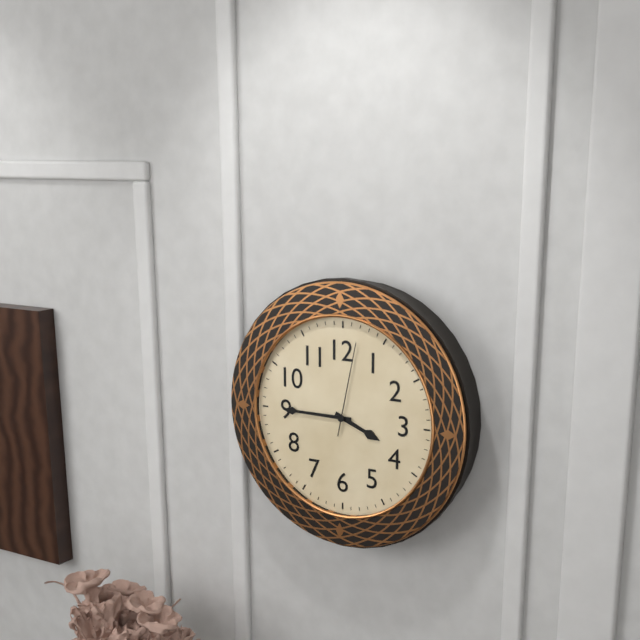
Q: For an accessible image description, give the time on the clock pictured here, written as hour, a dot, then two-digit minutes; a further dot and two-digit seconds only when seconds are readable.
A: 3.45.02
